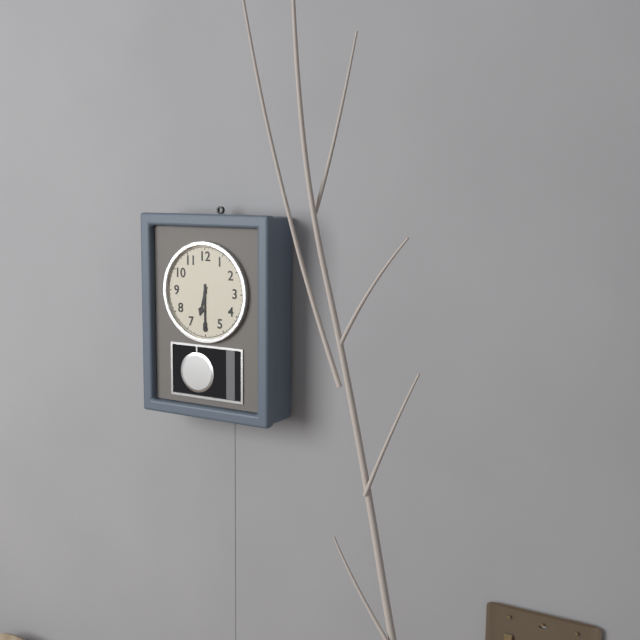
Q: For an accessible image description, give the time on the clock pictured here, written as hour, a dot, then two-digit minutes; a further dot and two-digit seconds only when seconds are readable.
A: 6.30
